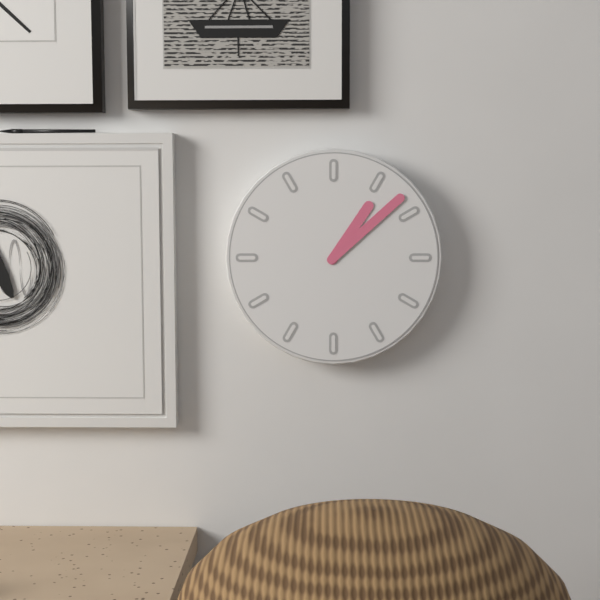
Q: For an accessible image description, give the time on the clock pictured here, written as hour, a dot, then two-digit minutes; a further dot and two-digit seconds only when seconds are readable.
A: 1.08
